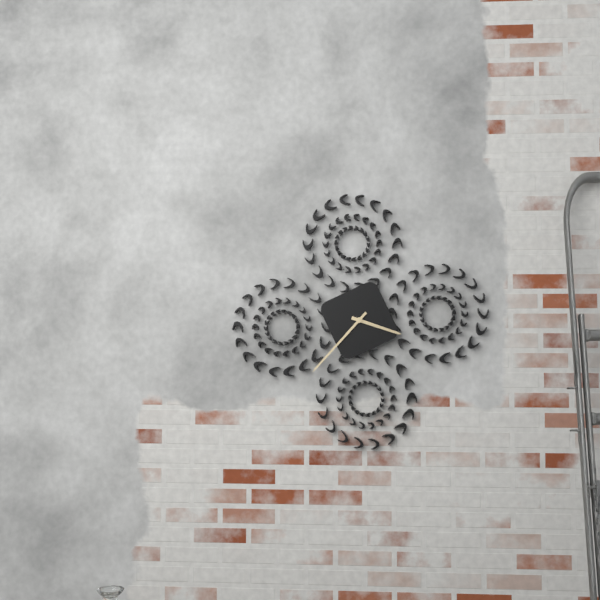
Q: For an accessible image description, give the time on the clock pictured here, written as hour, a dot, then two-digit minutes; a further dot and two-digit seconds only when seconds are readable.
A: 3.37
